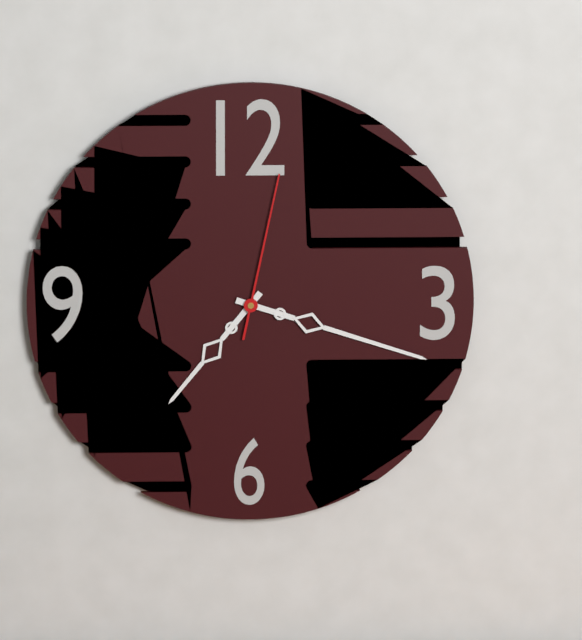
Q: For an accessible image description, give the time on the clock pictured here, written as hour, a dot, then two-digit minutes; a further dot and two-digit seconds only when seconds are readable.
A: 7.18.02
